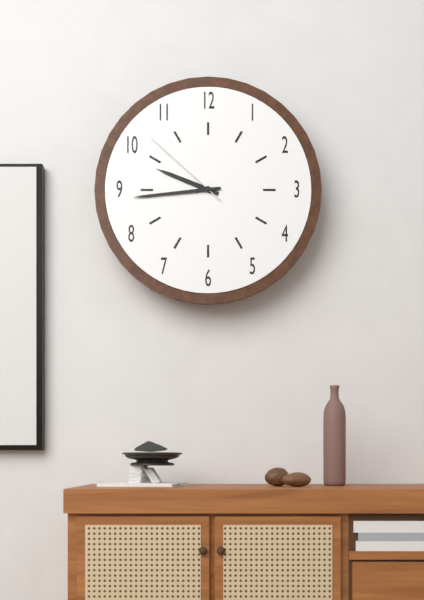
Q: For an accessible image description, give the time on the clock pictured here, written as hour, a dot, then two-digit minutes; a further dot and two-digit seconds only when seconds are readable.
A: 9.44.52
